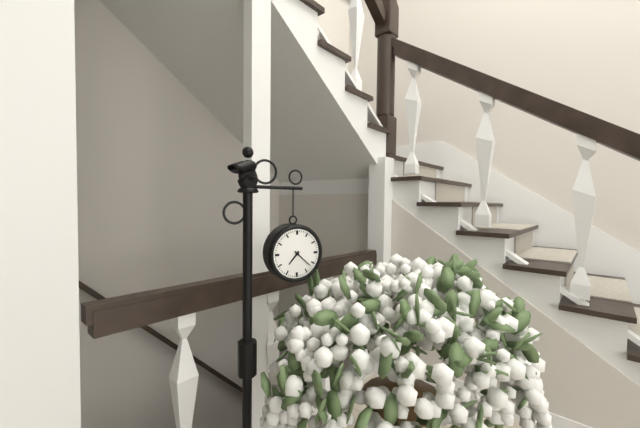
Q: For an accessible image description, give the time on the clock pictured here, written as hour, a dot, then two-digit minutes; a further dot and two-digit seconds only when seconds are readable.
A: 7.22
